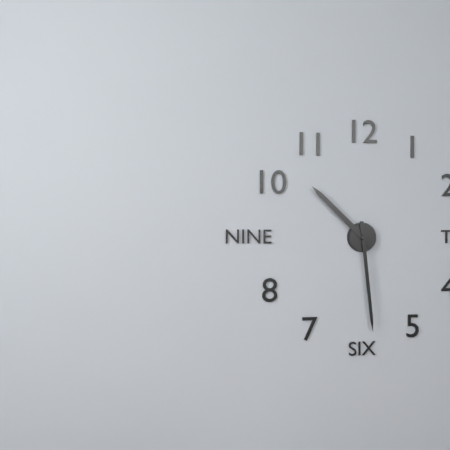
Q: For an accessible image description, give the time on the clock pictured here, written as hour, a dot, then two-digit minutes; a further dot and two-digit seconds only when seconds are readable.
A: 10.29
